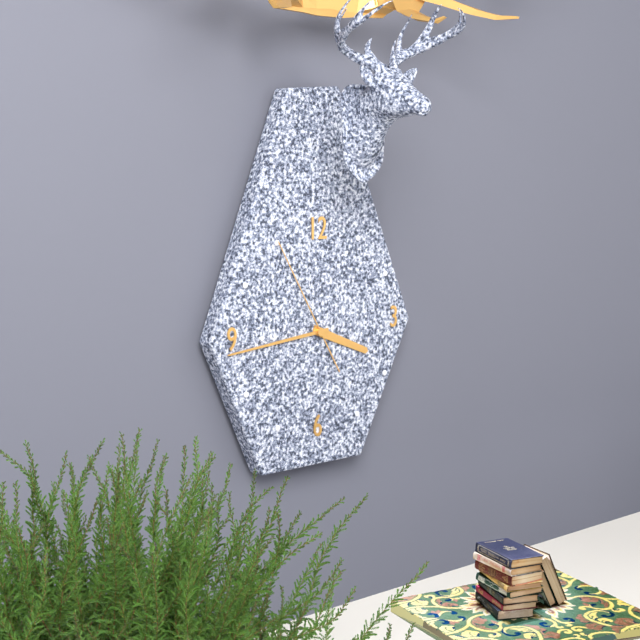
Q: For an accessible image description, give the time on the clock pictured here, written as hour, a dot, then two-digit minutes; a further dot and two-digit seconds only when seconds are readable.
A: 3.44.55
